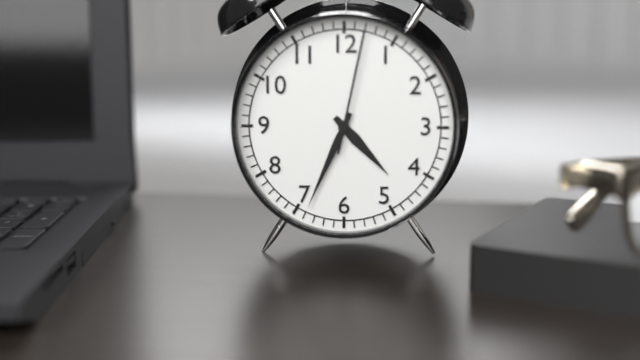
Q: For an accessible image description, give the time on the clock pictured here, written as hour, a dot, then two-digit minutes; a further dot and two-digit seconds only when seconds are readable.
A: 4.34.02
